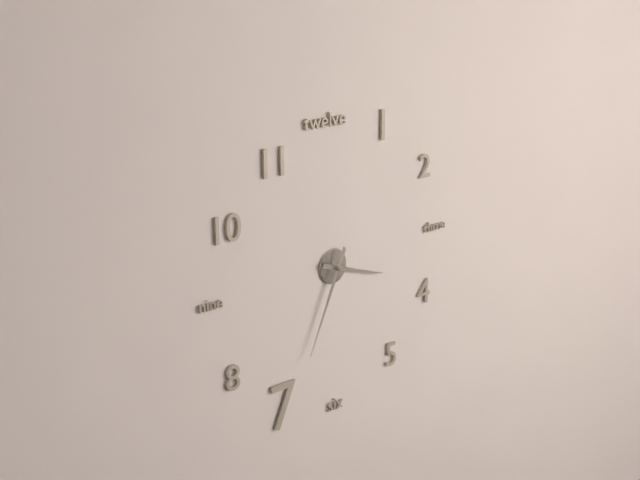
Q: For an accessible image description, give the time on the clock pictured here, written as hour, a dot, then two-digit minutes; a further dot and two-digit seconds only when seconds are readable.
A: 3.34
